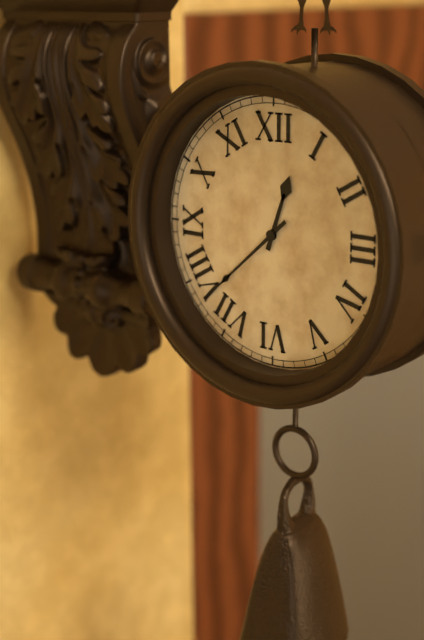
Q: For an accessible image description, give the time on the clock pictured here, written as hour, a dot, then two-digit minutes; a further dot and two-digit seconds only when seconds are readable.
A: 12.38
